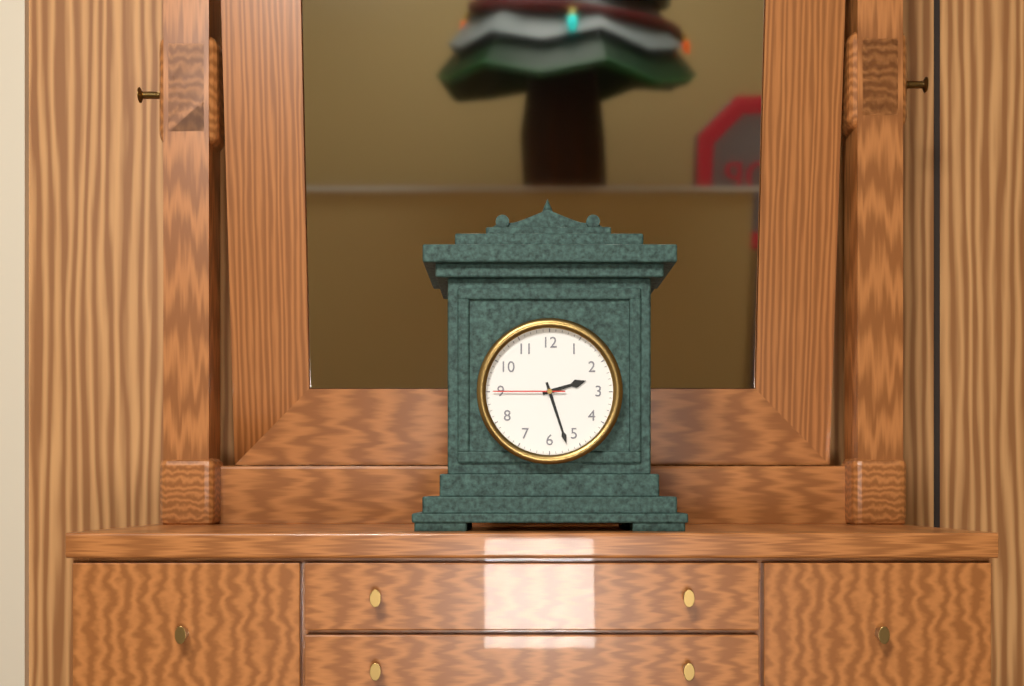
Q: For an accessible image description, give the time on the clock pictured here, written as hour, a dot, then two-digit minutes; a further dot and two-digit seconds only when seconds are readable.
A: 2.27.45
